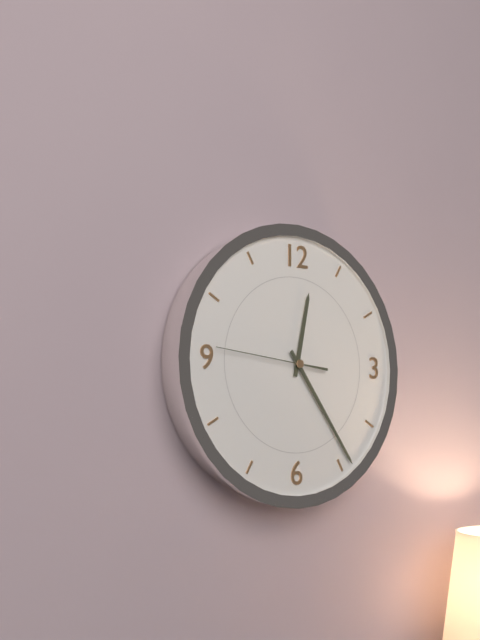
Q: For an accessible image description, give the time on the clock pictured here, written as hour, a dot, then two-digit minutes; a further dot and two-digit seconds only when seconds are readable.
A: 12.24.46
